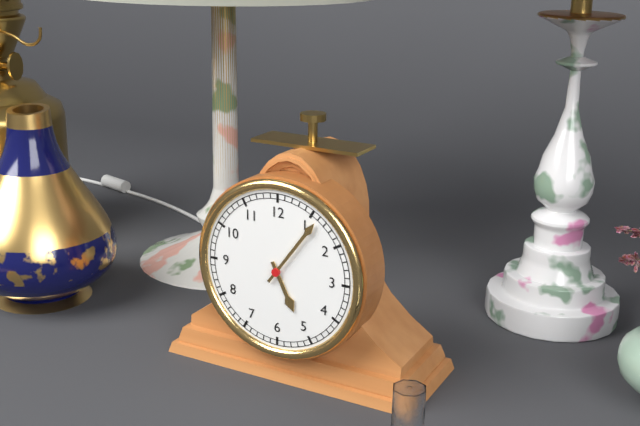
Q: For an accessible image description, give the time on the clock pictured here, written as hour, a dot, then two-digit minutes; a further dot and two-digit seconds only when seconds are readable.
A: 5.06
